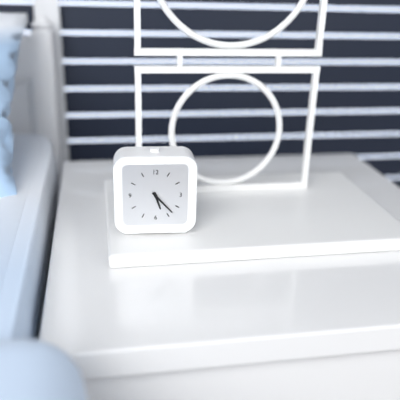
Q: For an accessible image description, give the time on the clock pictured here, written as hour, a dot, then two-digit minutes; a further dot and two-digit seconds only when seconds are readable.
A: 5.23
